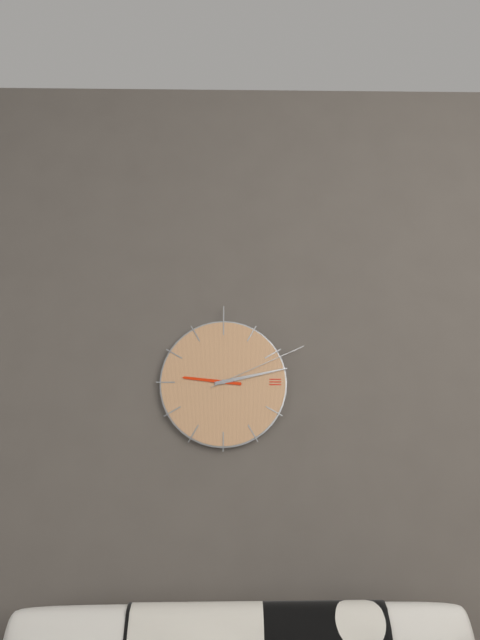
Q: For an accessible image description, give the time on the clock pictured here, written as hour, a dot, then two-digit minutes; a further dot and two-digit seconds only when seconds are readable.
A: 9.13.11
